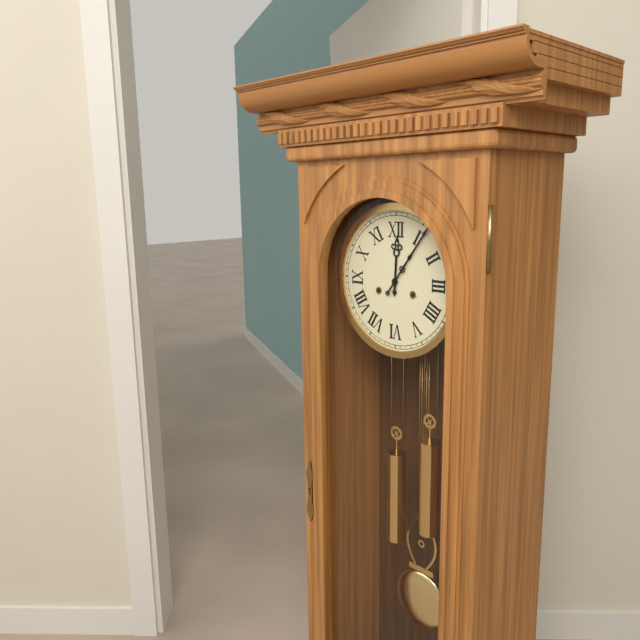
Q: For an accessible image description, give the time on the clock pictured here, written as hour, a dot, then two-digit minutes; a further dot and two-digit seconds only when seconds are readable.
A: 12.06
